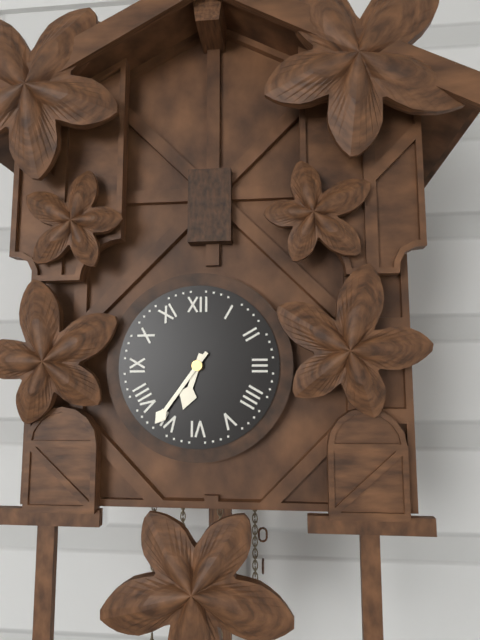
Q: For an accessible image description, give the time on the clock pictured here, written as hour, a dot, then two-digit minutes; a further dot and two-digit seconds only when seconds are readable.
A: 6.36
